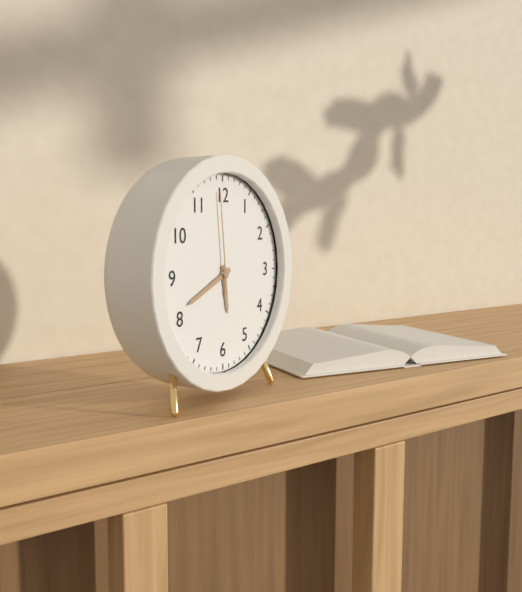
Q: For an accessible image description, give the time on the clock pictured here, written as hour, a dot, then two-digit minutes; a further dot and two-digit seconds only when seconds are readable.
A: 5.41.59
